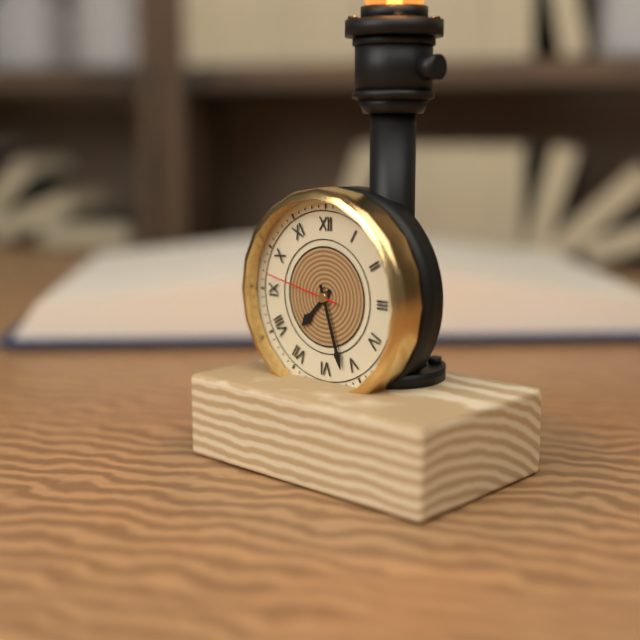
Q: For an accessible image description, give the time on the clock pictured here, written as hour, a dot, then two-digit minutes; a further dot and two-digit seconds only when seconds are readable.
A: 7.27.47
